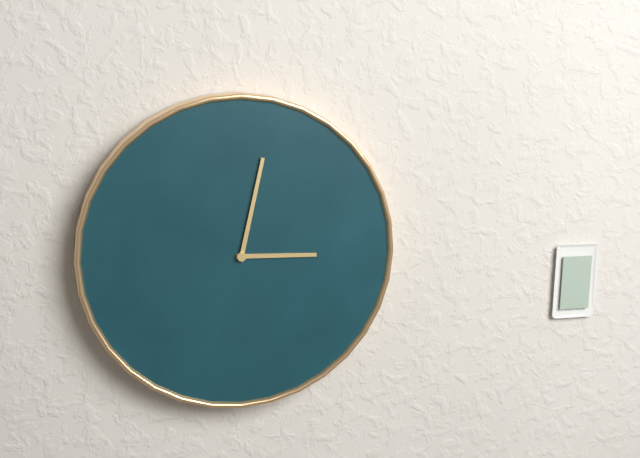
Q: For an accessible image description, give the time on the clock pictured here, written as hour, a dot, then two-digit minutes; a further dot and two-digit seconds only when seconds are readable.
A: 3.02
